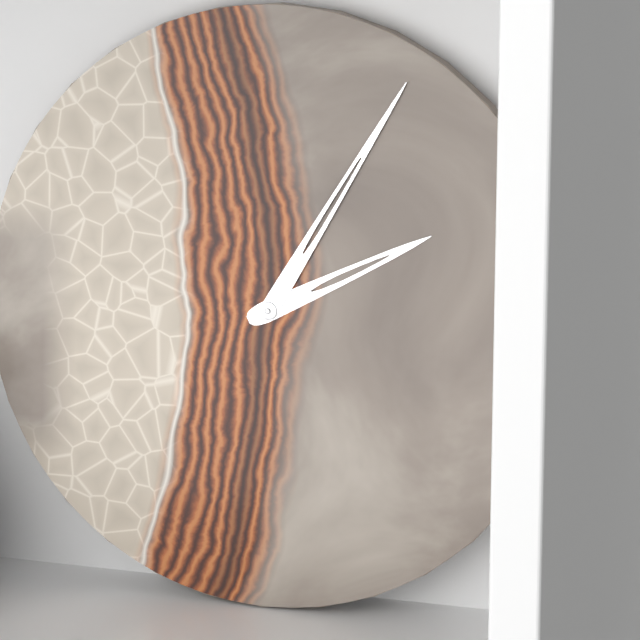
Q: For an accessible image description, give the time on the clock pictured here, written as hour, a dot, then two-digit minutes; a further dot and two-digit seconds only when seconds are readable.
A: 2.05
